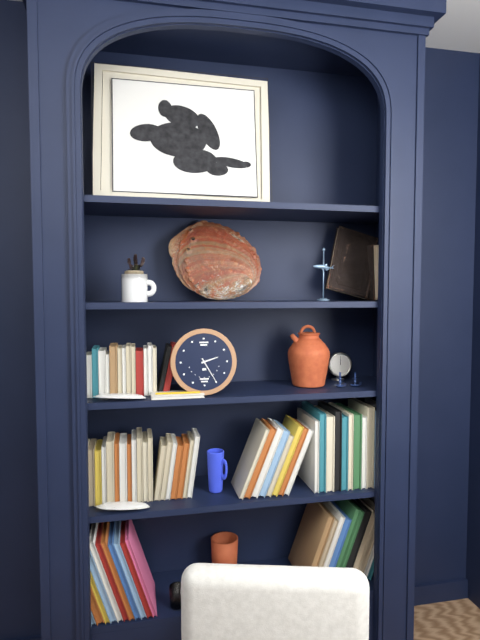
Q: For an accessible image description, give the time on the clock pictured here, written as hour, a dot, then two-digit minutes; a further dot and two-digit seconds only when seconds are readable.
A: 2.25
